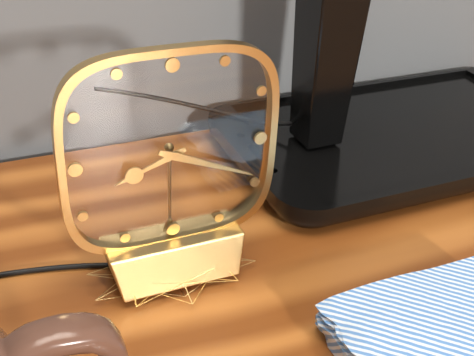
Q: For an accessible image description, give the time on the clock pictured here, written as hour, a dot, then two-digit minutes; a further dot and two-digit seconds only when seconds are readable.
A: 8.19
